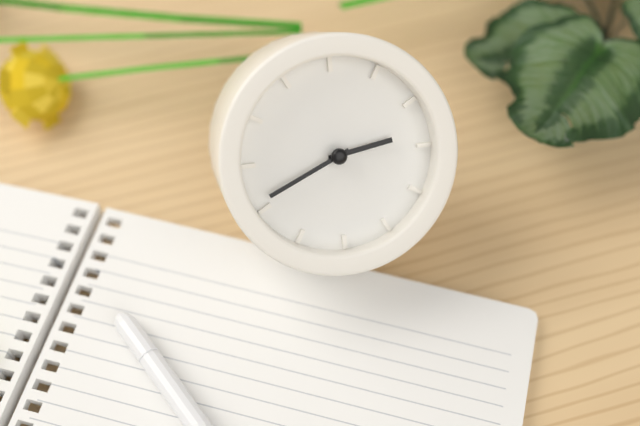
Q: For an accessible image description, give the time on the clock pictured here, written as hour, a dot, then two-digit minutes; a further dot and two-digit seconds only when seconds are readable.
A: 2.41
